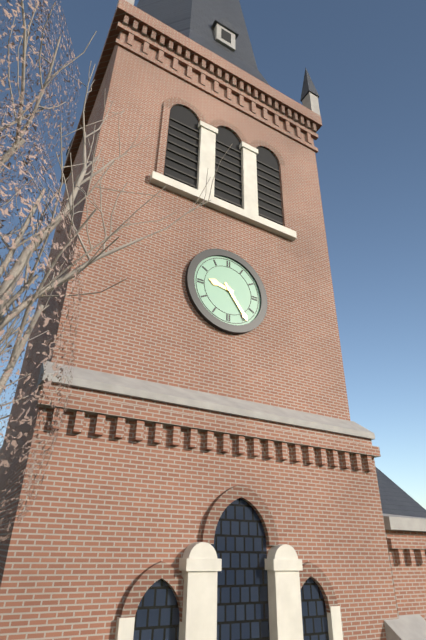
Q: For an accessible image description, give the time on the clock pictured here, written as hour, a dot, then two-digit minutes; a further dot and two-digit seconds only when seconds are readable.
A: 9.24
